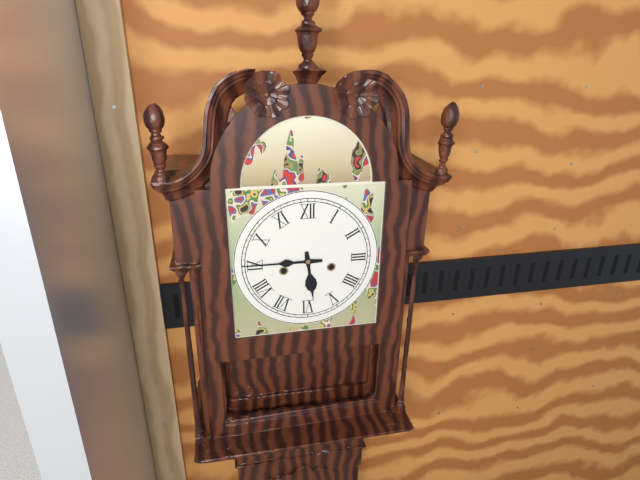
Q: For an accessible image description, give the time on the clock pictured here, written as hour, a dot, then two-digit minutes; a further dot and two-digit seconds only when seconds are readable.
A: 5.45
